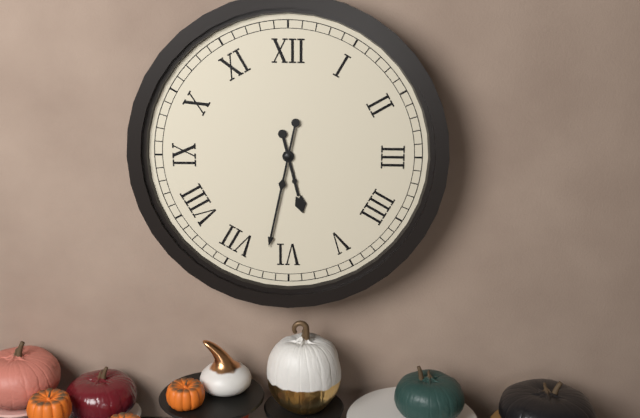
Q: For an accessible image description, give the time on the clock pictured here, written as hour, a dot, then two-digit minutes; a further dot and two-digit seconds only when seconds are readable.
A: 5.32
